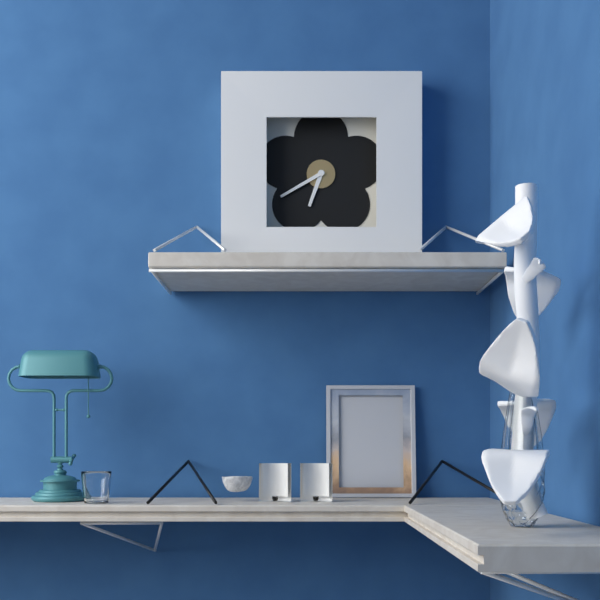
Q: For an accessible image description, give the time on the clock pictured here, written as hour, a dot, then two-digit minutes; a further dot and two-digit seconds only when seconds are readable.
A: 6.40
